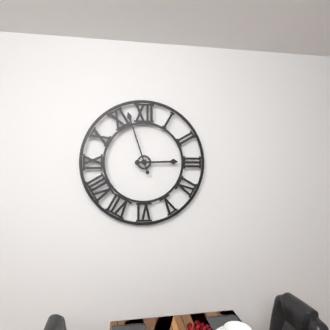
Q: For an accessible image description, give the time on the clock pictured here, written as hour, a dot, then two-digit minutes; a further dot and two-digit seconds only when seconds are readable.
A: 2.57
